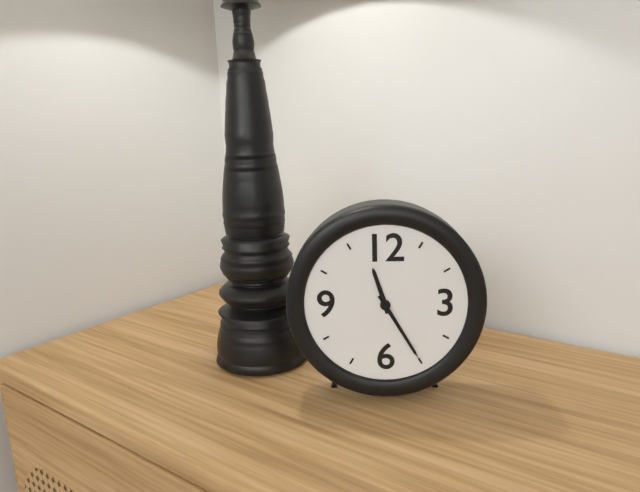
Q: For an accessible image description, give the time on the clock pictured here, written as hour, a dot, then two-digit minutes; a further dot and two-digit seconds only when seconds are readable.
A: 11.25
